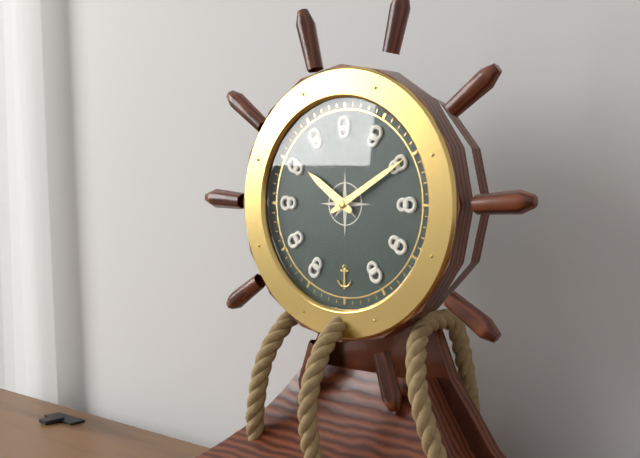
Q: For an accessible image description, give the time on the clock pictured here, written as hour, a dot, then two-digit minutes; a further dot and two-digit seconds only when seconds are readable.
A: 10.10
